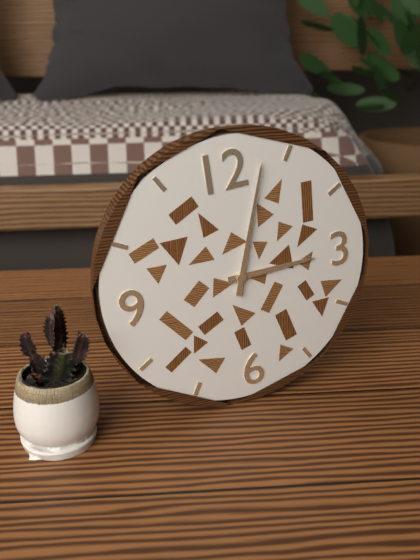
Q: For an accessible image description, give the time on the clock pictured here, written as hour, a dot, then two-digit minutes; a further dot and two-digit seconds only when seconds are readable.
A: 3.03
